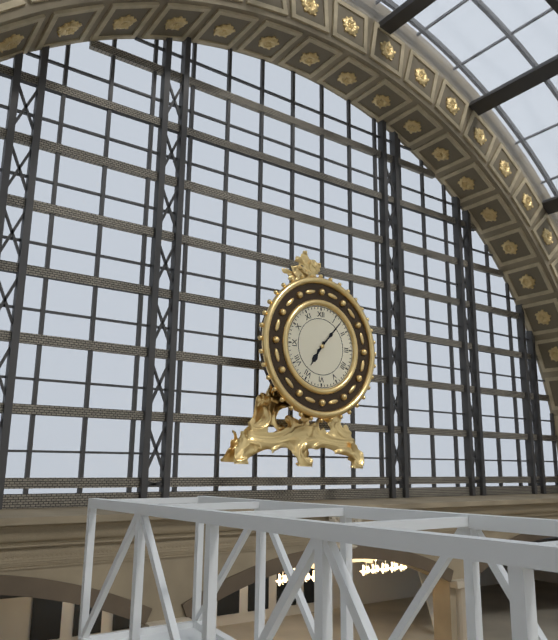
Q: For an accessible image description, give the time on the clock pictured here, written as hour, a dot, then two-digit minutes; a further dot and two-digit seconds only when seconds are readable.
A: 7.07
